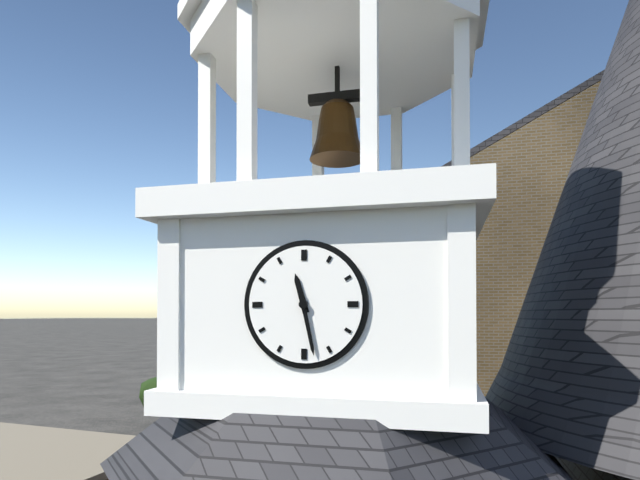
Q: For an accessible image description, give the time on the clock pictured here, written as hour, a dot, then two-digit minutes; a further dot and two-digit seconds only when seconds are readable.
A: 11.28
